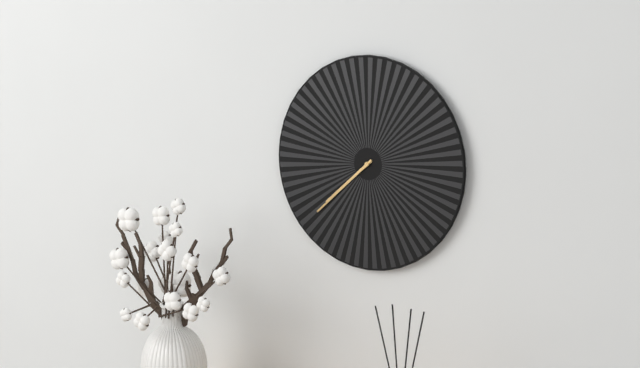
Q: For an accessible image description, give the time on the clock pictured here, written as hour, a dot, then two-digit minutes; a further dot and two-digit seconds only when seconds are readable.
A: 7.38
